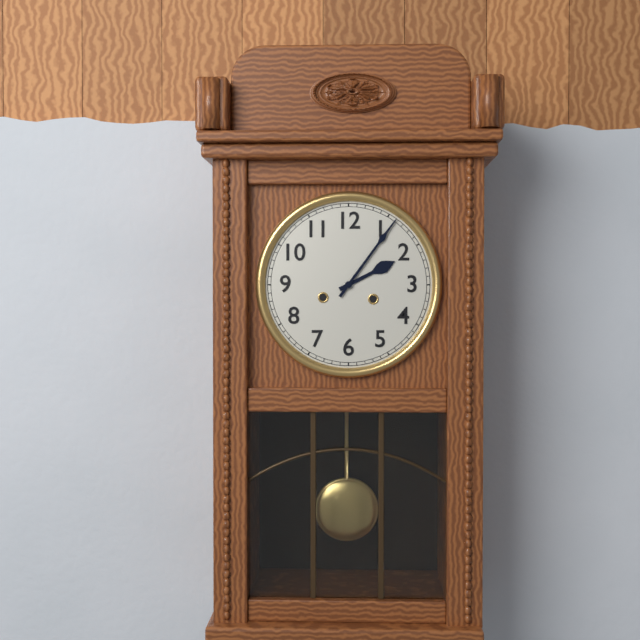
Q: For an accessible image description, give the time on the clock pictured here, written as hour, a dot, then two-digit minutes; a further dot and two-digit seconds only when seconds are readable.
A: 2.06
